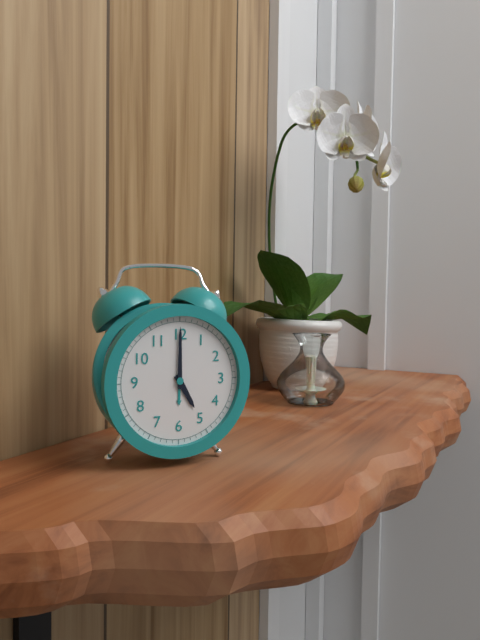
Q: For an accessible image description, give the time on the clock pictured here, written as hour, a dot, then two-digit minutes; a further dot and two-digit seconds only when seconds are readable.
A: 5.00
